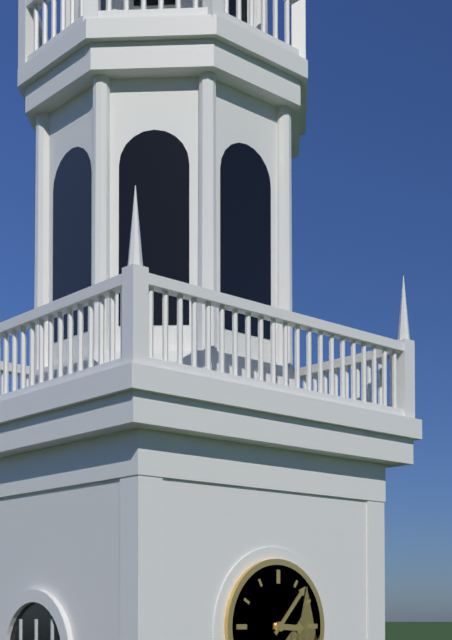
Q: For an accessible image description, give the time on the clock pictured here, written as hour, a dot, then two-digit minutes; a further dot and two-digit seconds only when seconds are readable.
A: 3.07
